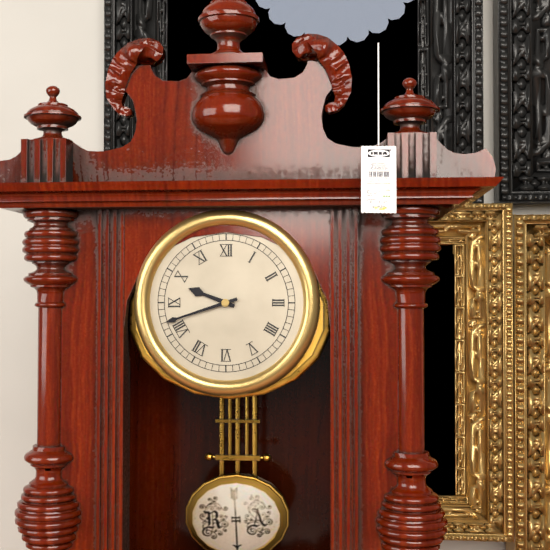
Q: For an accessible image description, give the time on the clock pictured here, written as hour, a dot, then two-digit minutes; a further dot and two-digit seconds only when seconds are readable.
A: 9.42
